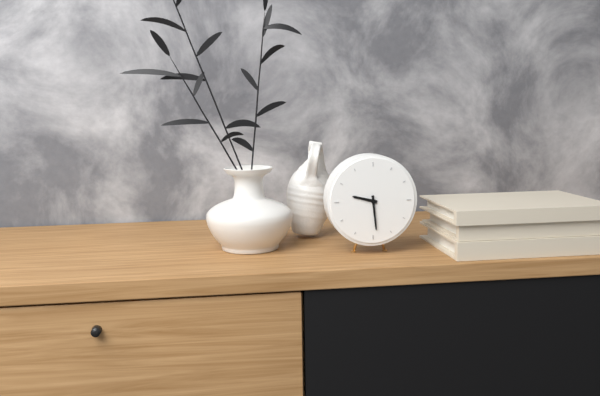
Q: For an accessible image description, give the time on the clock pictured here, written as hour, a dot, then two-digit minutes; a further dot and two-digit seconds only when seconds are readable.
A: 9.29
